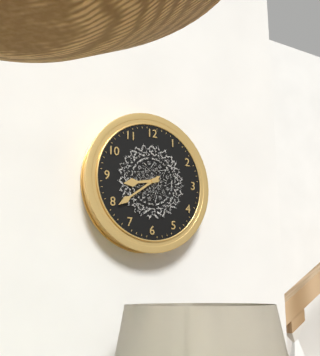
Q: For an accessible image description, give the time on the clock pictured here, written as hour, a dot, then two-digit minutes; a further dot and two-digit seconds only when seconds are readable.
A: 8.39
